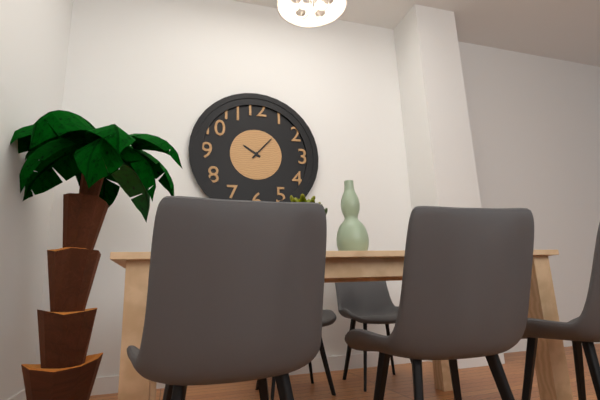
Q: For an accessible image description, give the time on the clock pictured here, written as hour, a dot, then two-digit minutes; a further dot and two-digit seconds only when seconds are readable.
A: 10.07
